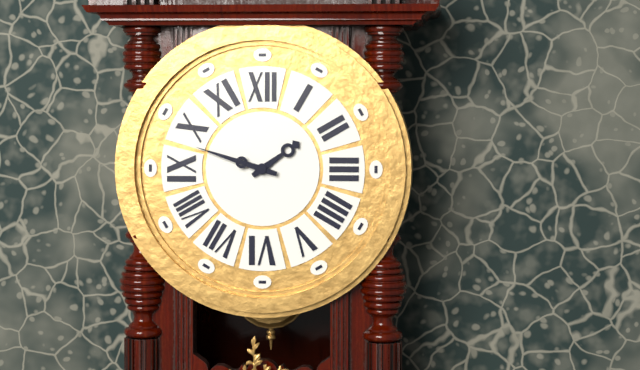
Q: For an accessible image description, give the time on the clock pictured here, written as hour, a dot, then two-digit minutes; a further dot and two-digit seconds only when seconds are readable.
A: 1.48
